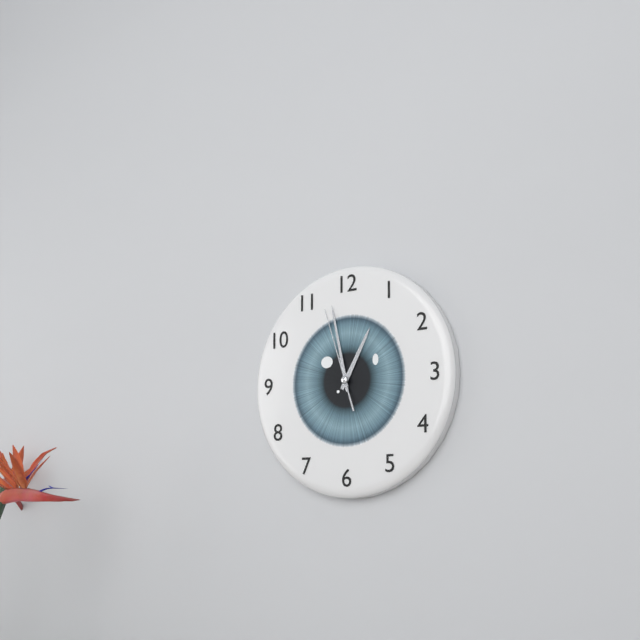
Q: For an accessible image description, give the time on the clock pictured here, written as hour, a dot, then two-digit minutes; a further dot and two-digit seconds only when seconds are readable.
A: 12.58.57
